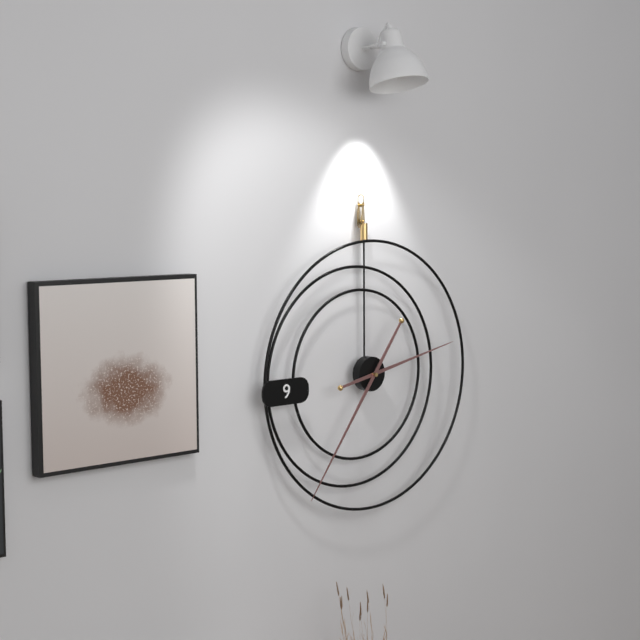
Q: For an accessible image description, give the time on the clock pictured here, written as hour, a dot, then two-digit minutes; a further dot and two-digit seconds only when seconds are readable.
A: 2.36
